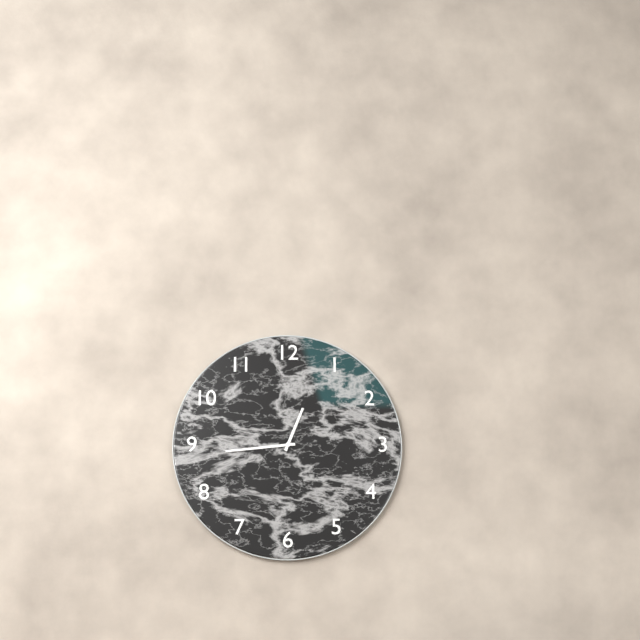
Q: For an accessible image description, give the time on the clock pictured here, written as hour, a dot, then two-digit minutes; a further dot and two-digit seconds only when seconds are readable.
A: 12.44
